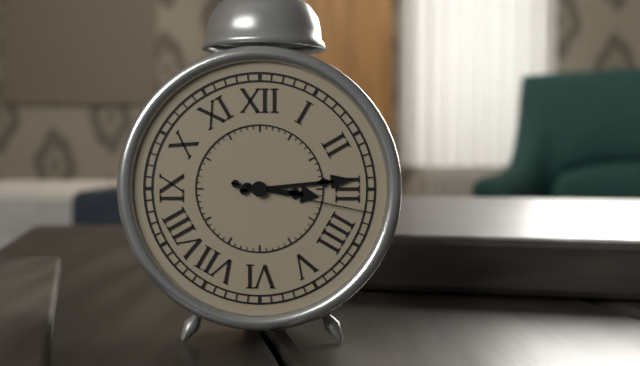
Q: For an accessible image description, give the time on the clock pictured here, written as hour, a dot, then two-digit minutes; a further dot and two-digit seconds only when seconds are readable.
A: 3.14.17
